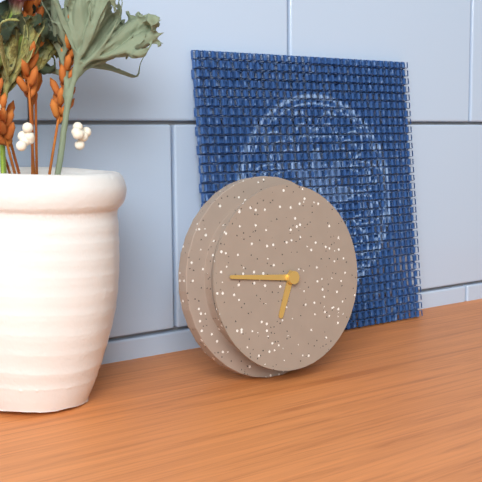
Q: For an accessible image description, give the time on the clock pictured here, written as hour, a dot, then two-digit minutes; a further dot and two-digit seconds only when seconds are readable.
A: 6.46
